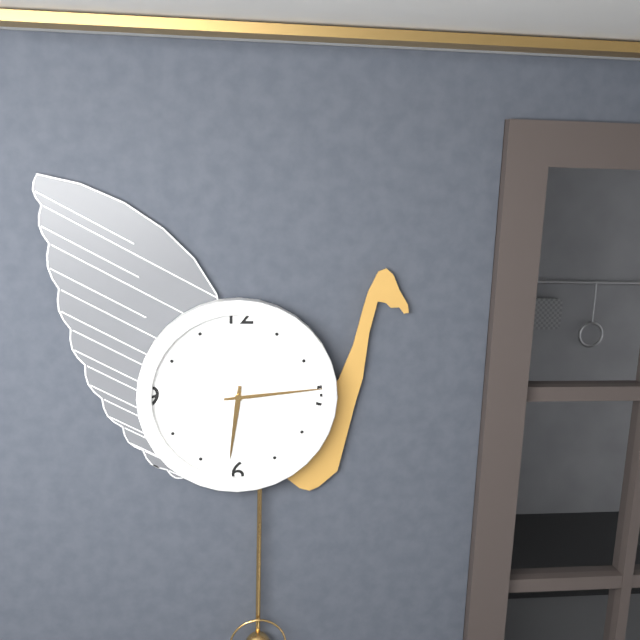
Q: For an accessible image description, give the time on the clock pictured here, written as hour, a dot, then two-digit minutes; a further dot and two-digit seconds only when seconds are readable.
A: 6.14
